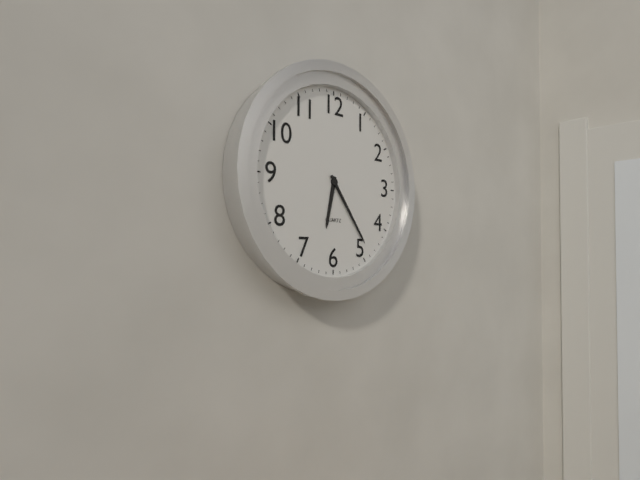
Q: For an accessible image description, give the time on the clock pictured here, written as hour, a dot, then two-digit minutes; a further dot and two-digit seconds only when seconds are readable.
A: 6.24
